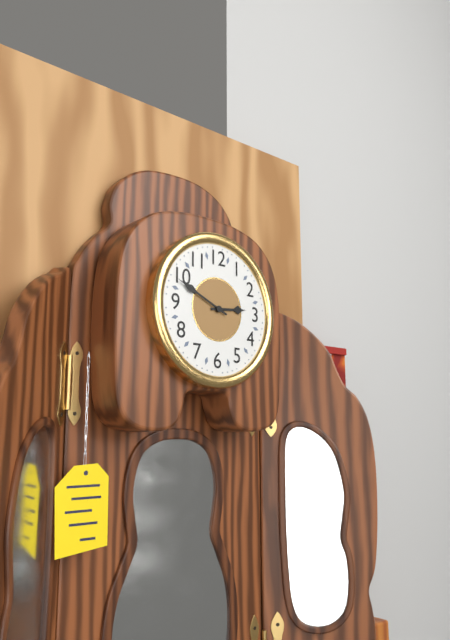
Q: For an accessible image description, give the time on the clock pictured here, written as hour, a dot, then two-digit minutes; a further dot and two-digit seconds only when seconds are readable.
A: 2.49
